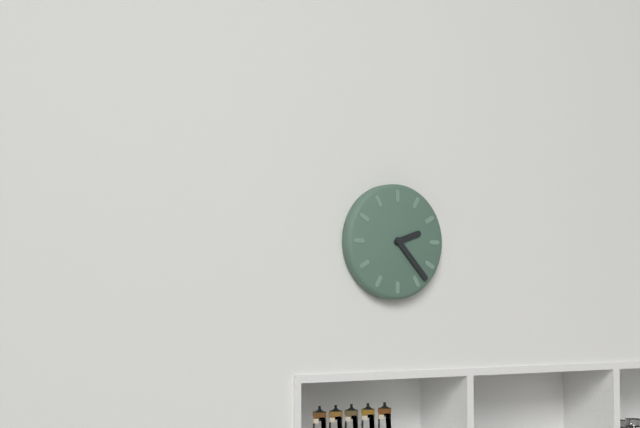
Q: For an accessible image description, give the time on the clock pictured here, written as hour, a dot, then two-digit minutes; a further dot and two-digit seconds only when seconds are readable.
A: 2.23
